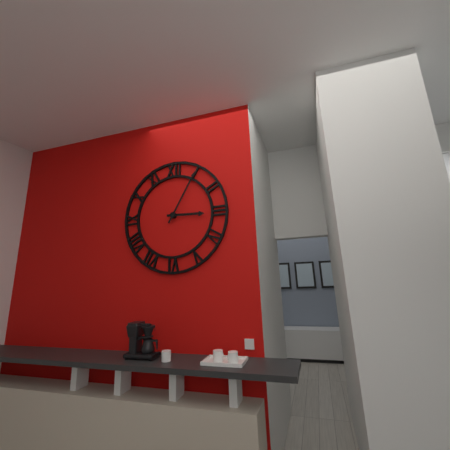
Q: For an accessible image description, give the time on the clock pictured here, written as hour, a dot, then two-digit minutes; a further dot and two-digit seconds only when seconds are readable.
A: 3.05
